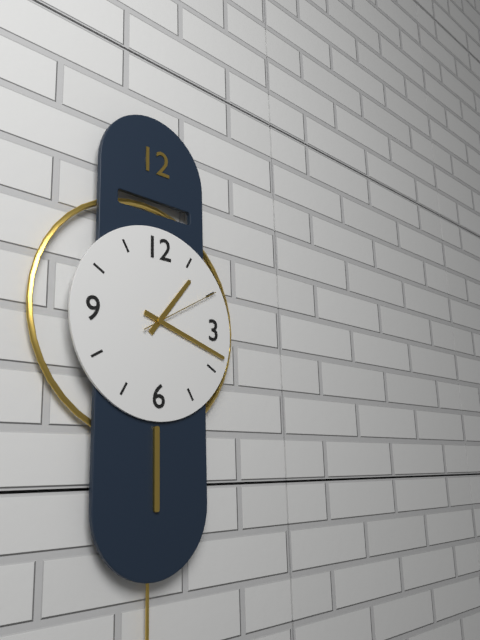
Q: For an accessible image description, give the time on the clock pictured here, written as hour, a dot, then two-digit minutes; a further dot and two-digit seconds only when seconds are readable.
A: 1.18.10
